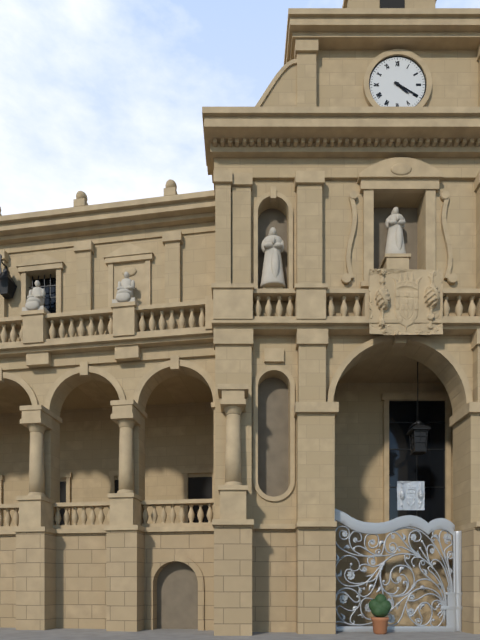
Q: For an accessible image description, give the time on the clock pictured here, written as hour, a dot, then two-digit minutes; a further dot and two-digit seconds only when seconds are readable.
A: 4.20
